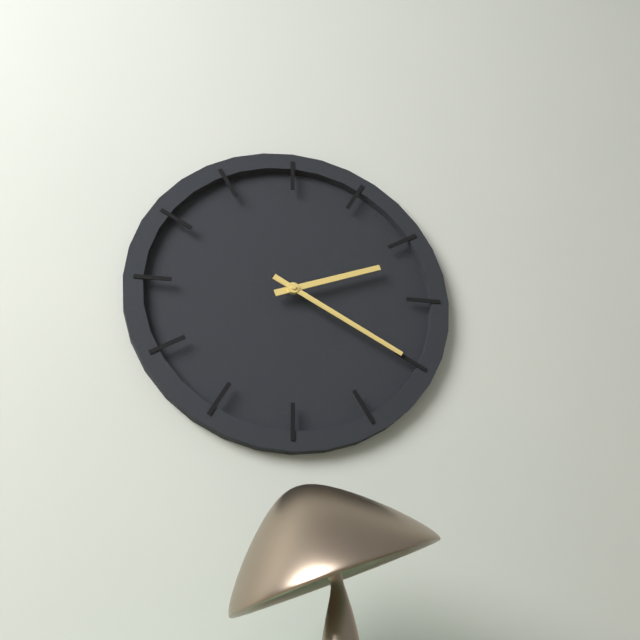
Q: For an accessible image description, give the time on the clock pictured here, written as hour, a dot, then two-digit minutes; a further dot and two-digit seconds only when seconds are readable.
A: 2.20
